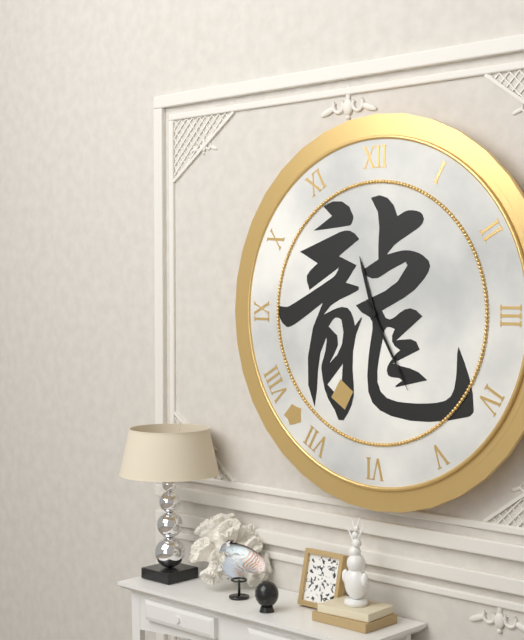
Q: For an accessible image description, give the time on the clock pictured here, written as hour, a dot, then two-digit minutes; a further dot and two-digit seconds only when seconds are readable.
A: 11.25
